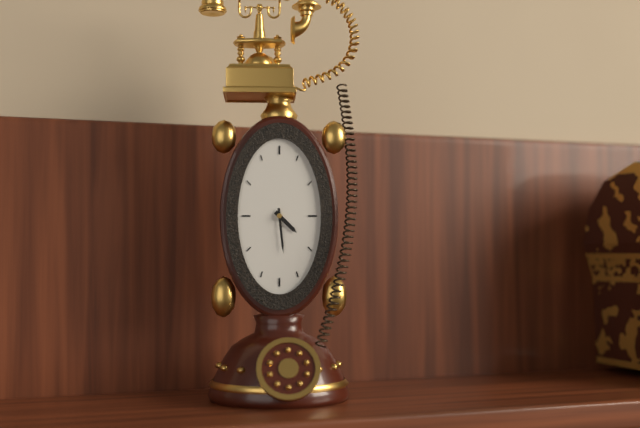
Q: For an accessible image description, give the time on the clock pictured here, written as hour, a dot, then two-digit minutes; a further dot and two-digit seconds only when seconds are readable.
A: 4.29
